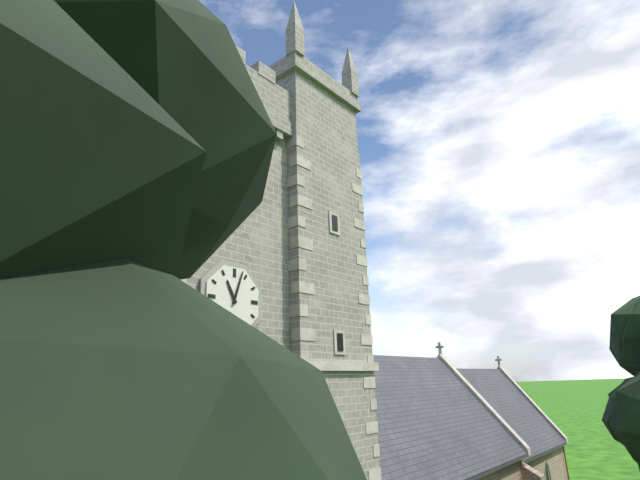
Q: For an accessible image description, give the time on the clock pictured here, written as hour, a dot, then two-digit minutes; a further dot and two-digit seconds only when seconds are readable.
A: 11.03
